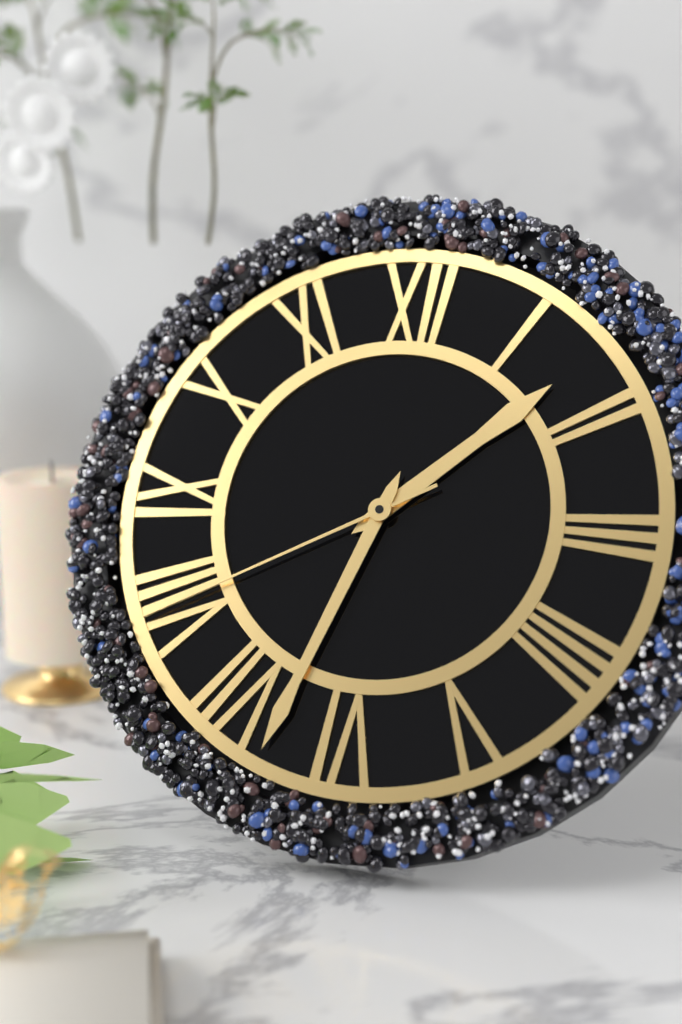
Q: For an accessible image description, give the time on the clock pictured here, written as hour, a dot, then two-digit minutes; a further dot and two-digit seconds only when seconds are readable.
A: 1.33.40
